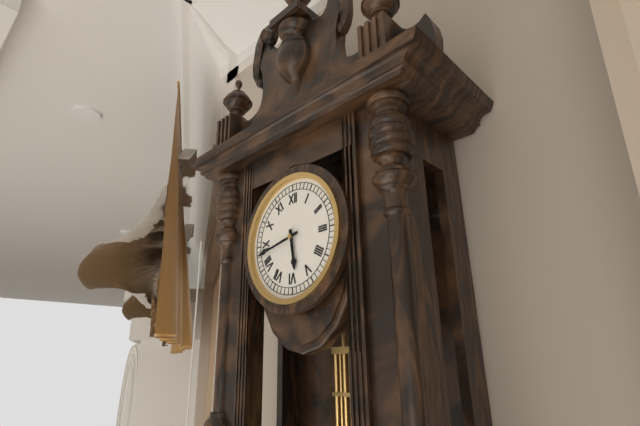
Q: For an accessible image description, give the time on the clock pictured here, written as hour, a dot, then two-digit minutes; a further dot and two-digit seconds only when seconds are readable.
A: 5.43
